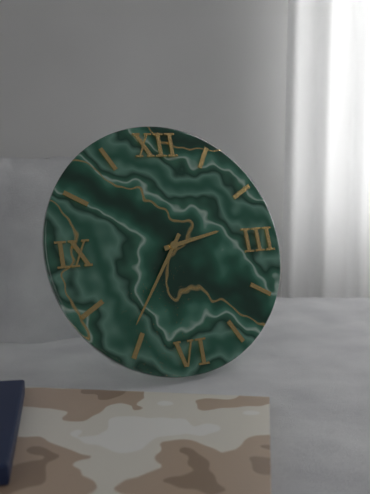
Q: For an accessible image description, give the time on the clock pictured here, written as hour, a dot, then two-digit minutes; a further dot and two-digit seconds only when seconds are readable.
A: 2.36
